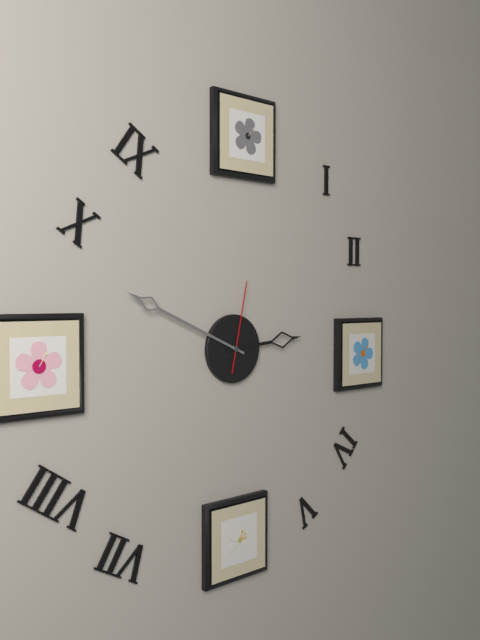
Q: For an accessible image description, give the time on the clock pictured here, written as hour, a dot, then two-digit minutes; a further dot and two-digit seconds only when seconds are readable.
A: 2.49.02
